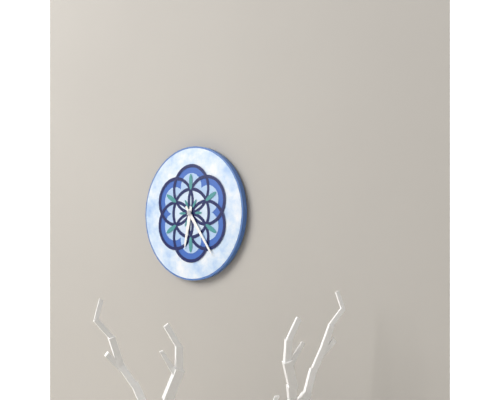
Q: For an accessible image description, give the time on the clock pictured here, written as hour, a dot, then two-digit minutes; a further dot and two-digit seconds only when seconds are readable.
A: 6.24
